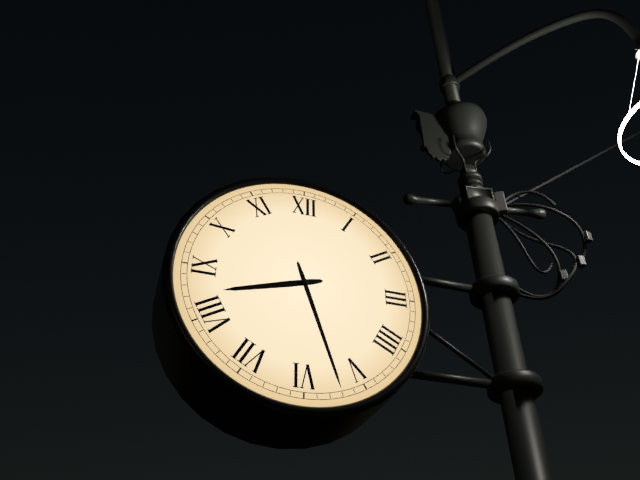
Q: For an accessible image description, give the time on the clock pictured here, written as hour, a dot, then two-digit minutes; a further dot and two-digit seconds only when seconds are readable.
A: 8.27
